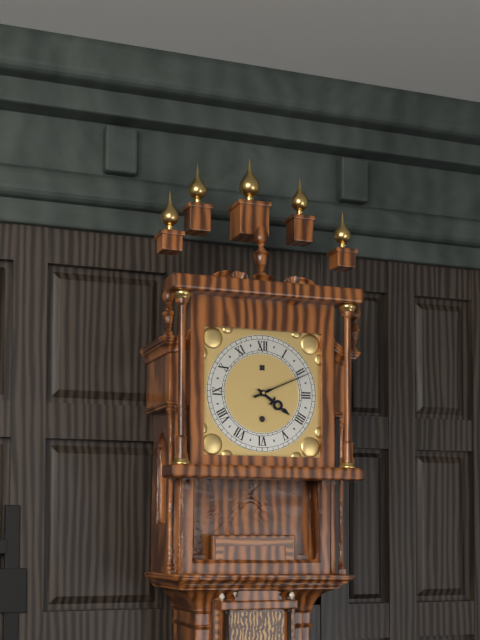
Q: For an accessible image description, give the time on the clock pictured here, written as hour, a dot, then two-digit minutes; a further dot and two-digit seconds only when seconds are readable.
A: 4.11
